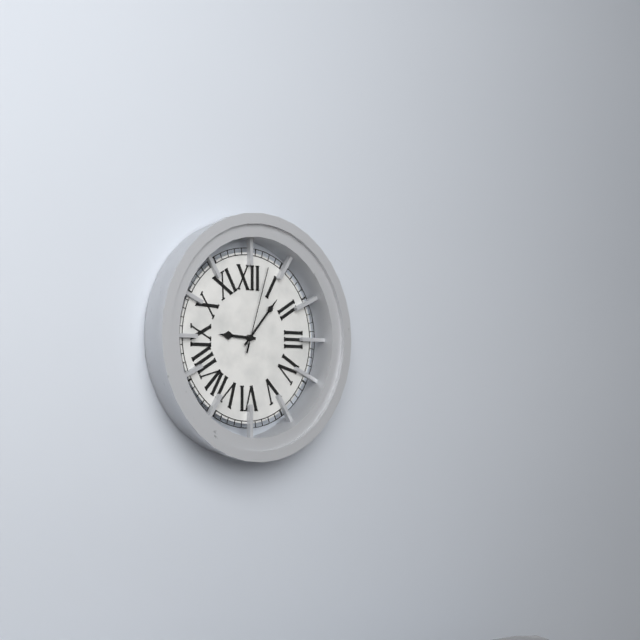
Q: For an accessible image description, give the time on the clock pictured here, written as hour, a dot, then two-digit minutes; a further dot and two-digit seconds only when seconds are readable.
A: 9.07.03
